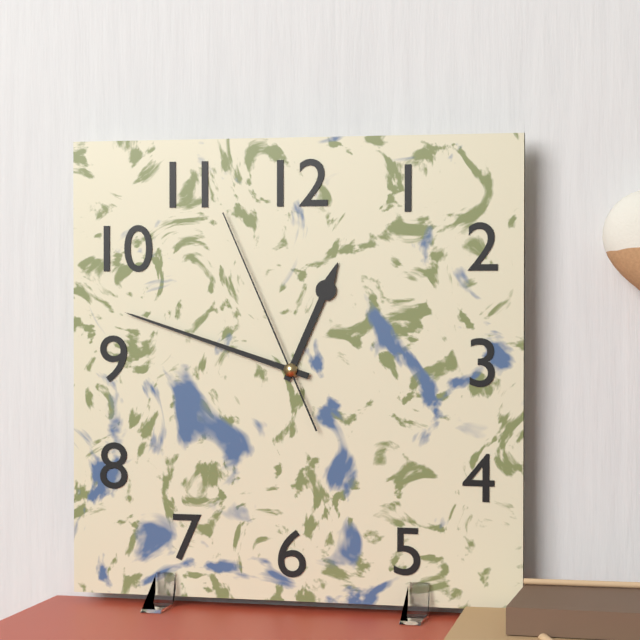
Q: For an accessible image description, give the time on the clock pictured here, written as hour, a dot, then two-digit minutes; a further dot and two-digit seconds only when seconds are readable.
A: 12.48.56
